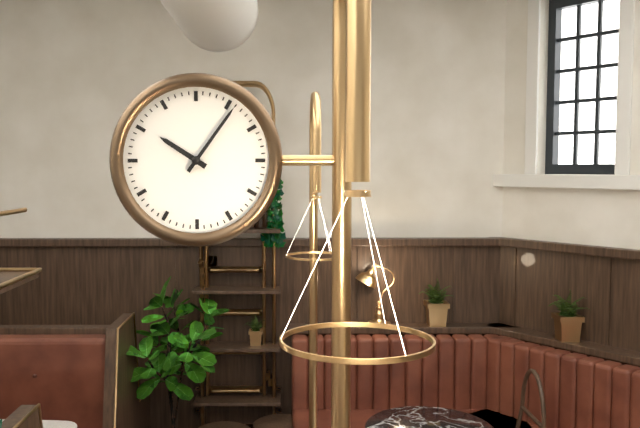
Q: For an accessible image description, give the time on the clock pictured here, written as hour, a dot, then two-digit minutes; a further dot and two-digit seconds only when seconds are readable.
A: 10.06
